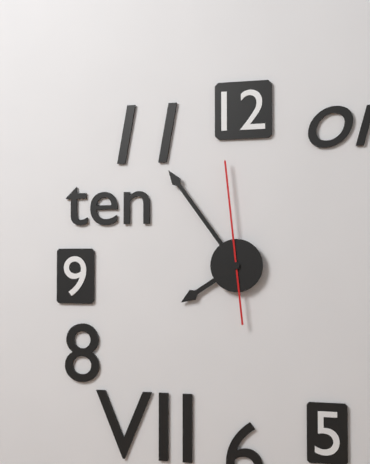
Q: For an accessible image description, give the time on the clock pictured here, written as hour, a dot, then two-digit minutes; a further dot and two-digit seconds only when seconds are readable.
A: 7.54.59
